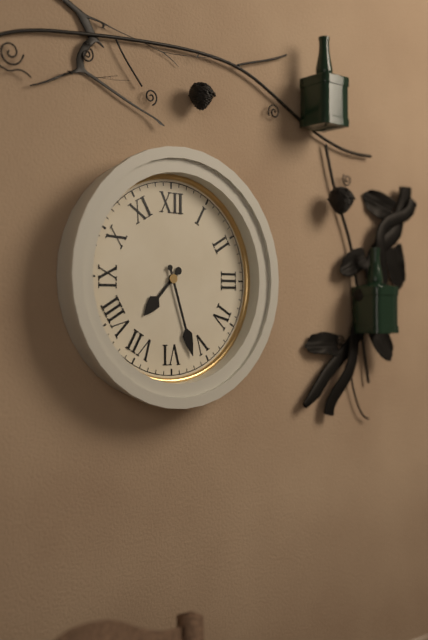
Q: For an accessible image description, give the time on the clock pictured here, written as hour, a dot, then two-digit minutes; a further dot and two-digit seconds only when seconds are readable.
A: 7.27
